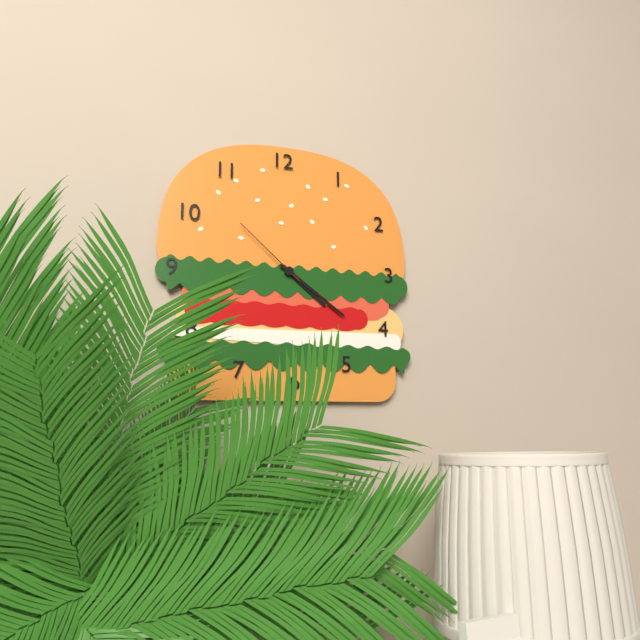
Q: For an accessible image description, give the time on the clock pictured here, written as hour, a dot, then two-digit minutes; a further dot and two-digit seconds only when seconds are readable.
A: 4.21.52
